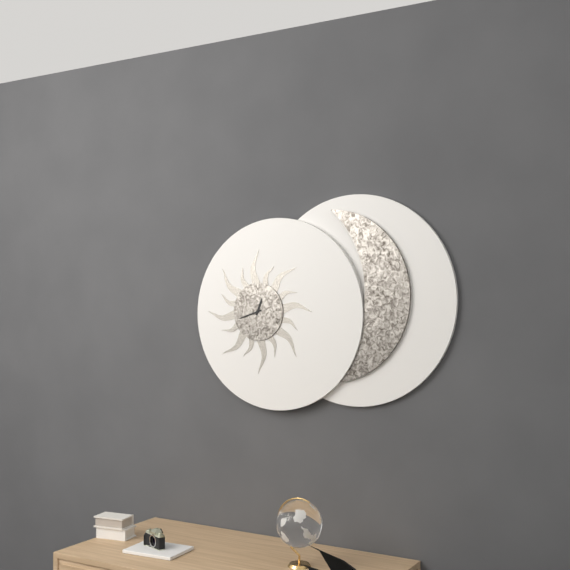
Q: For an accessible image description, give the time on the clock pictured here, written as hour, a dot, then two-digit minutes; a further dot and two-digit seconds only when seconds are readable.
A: 12.42
